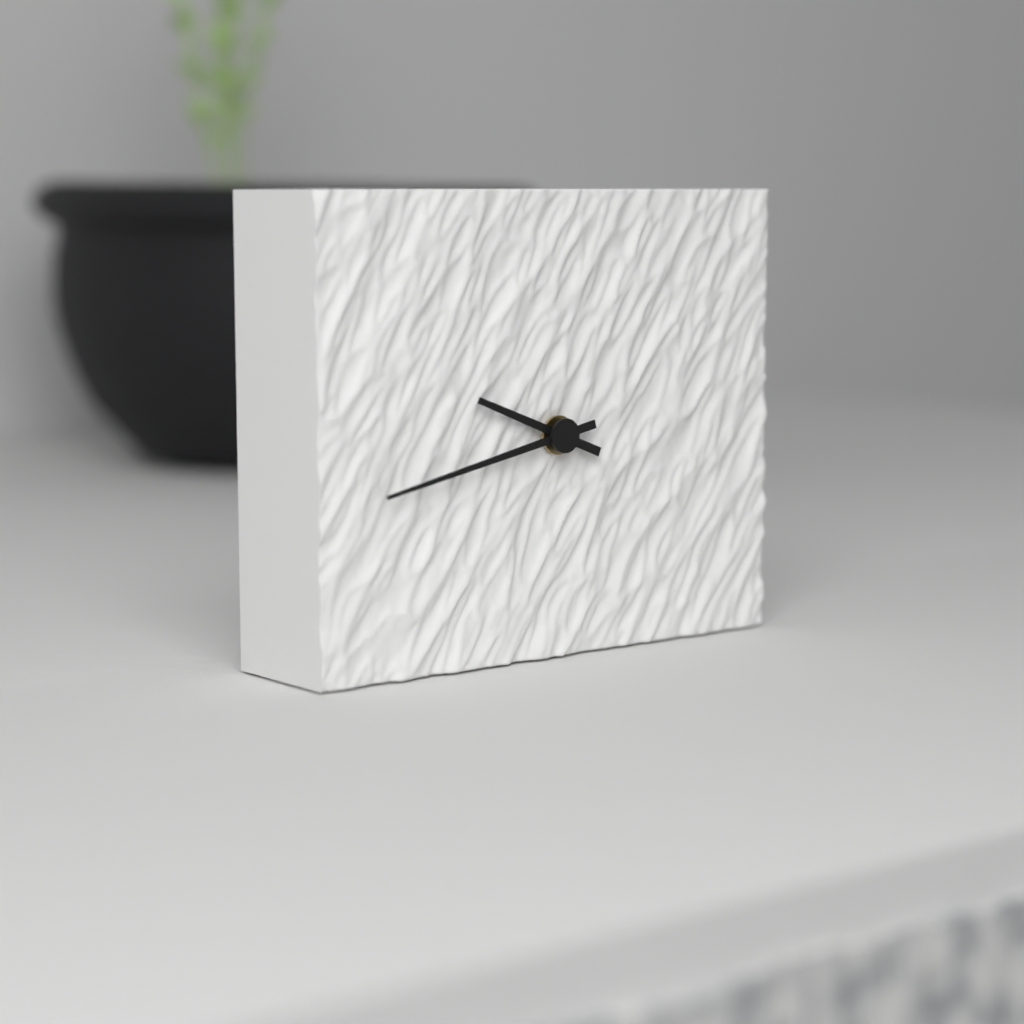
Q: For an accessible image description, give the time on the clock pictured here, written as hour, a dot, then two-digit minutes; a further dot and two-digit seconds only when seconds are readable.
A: 9.43
